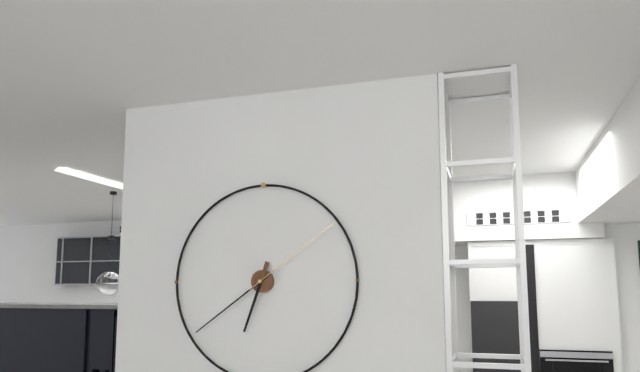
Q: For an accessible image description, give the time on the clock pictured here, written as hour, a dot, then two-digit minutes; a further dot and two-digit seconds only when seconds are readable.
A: 6.39.09
